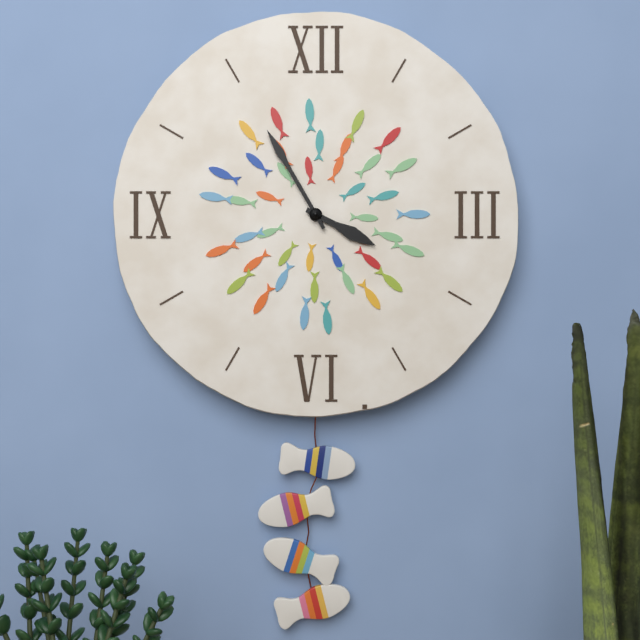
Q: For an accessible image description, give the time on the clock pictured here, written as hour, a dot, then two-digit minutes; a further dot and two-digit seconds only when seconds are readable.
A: 3.55
